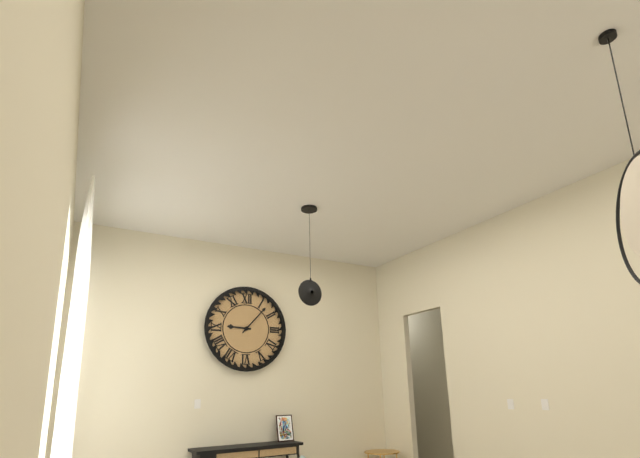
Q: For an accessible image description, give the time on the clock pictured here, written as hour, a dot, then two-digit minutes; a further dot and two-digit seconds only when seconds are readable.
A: 9.07
